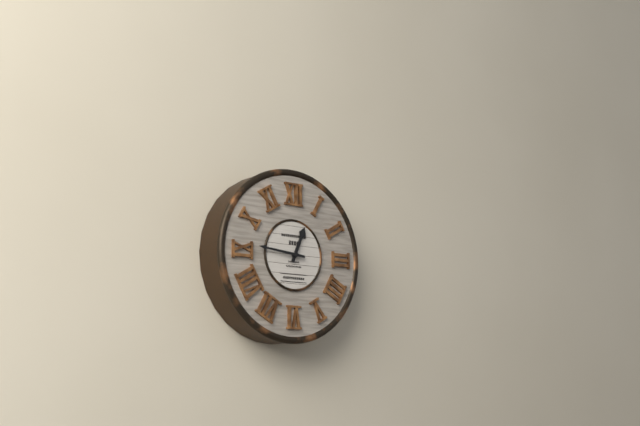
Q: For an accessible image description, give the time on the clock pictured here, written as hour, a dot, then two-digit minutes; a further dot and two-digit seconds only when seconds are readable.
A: 12.46
